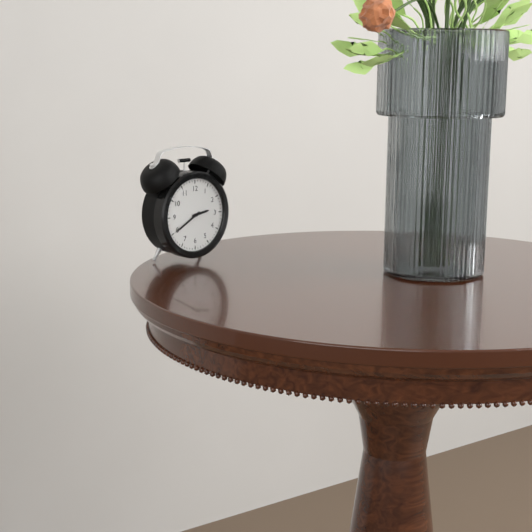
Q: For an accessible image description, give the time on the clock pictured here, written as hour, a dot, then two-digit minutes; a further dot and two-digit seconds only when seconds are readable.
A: 2.40
